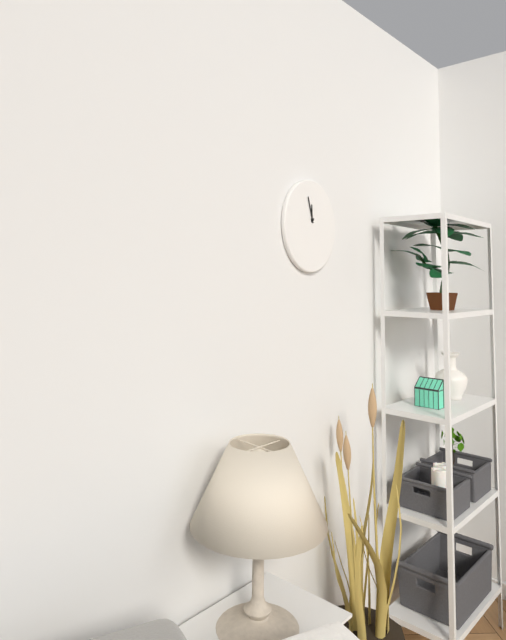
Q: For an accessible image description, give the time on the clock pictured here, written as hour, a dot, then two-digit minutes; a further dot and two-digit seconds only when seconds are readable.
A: 11.57
